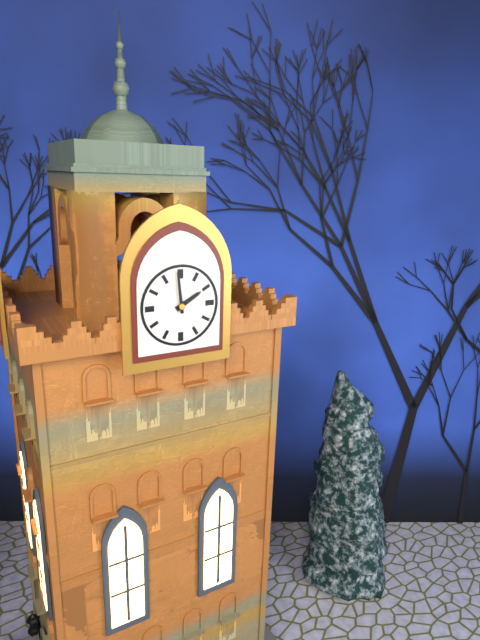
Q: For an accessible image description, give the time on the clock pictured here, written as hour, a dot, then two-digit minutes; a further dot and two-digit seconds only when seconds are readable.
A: 1.59
